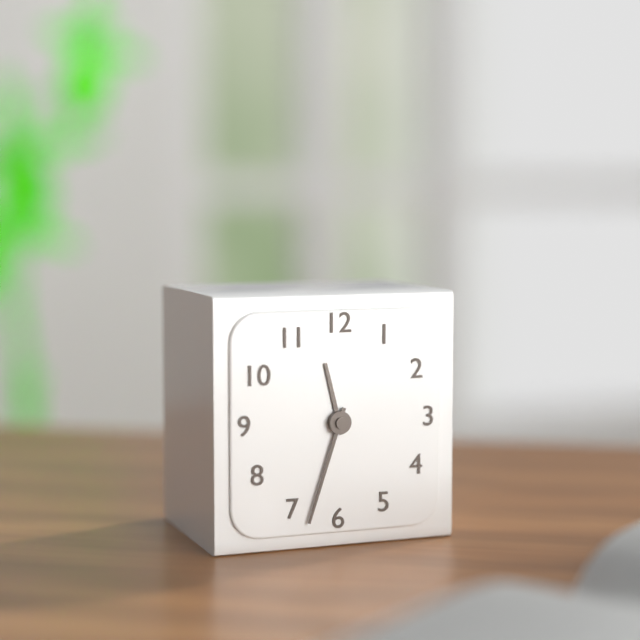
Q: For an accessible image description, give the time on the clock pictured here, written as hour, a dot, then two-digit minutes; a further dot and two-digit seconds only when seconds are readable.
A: 11.33
